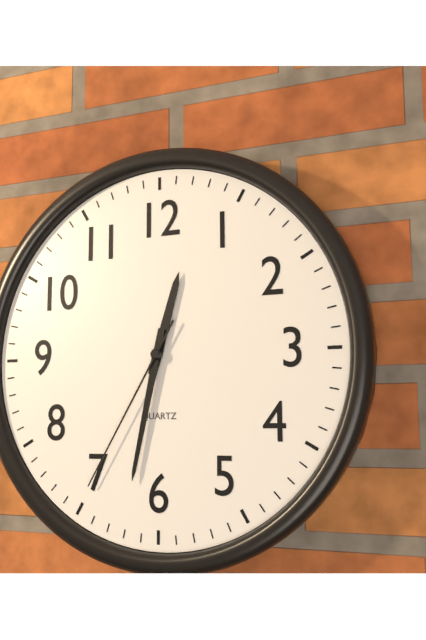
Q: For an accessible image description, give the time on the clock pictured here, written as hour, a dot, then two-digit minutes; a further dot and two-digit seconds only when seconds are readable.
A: 12.32.35
